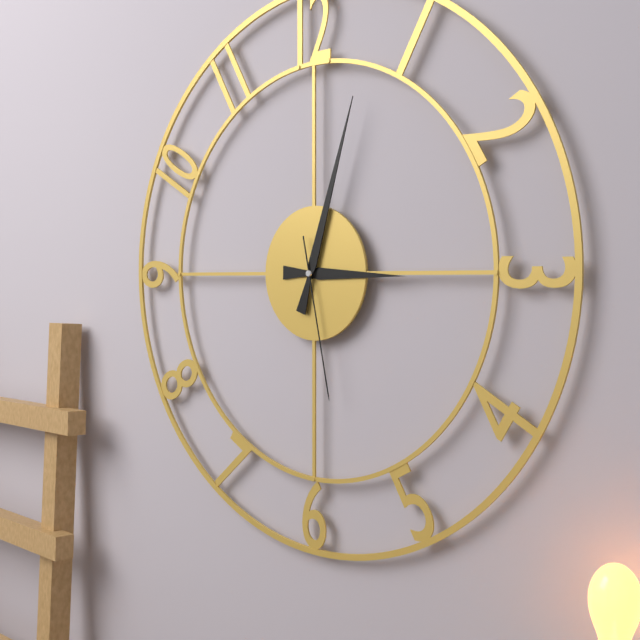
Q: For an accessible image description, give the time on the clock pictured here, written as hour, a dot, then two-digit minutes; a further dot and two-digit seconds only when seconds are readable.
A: 3.03.28
